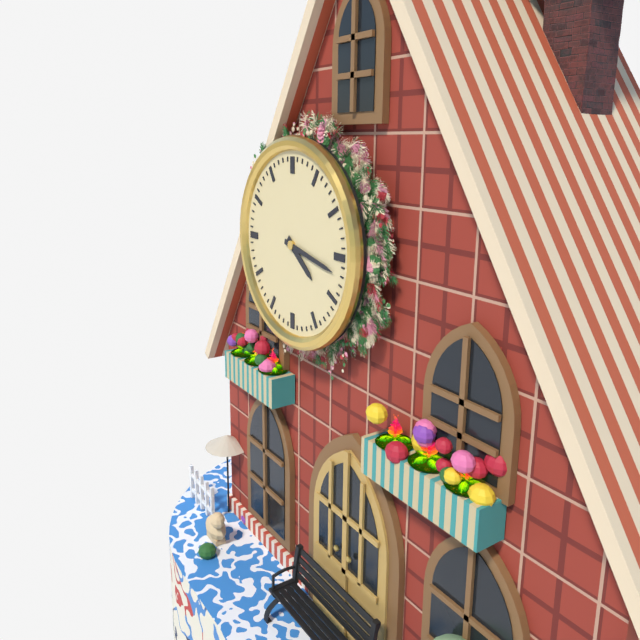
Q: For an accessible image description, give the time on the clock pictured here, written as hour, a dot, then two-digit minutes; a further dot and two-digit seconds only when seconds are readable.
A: 4.17
